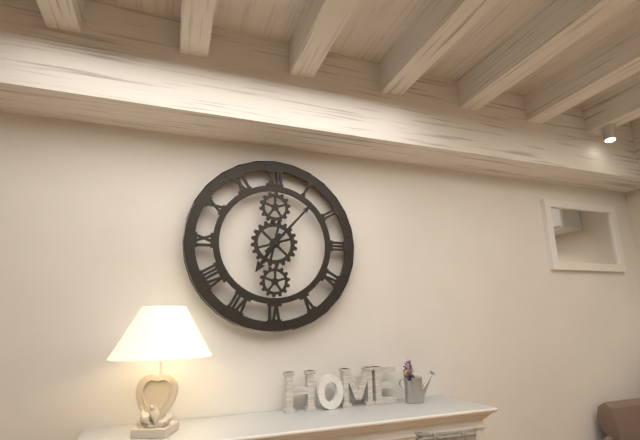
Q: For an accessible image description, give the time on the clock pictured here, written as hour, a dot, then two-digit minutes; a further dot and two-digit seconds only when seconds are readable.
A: 7.07
